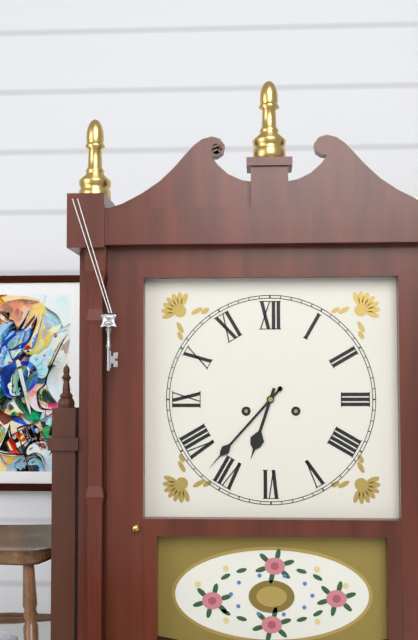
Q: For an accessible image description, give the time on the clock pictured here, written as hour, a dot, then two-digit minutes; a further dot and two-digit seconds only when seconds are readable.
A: 6.37
